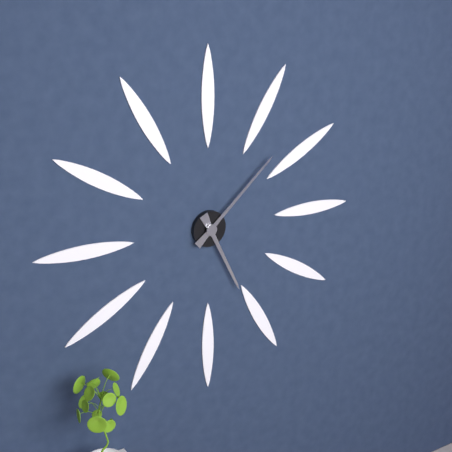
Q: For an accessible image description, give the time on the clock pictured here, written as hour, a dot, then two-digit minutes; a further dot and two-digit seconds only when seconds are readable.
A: 5.08
